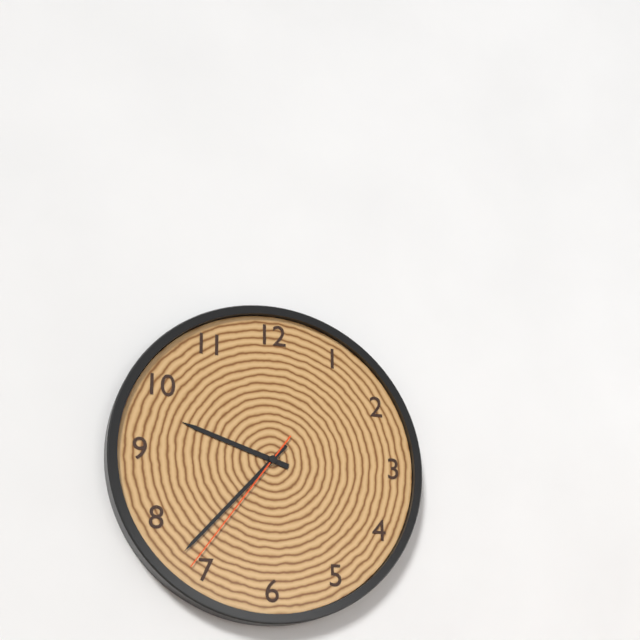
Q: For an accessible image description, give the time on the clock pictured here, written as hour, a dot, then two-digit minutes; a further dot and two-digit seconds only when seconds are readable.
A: 9.37.36
